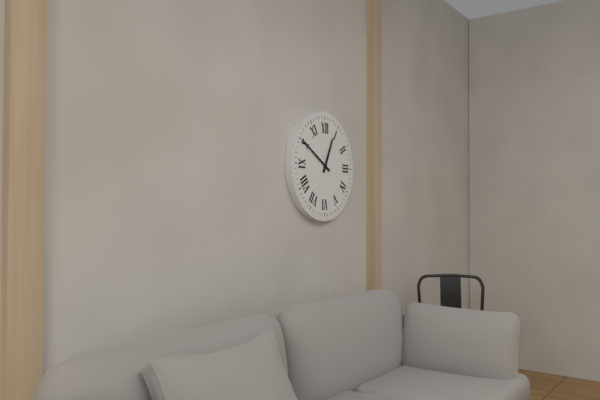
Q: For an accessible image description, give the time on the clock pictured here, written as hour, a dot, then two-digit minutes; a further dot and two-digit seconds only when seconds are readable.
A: 12.50
